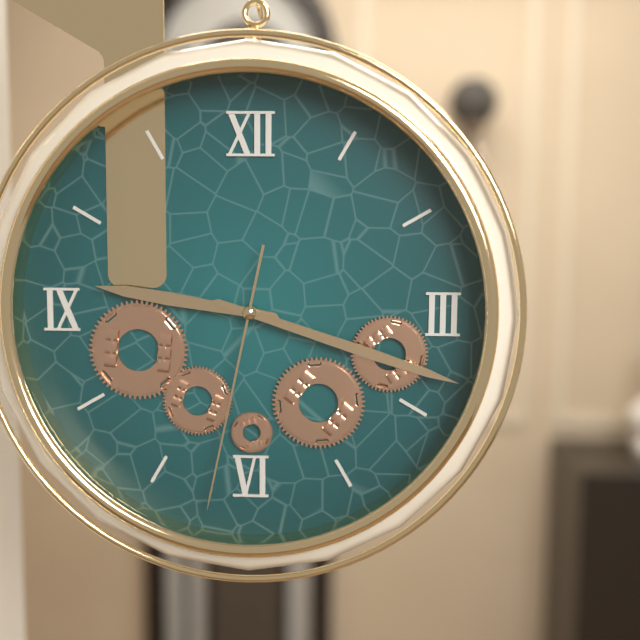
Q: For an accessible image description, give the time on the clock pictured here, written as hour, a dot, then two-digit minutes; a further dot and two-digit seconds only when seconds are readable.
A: 9.18.32
